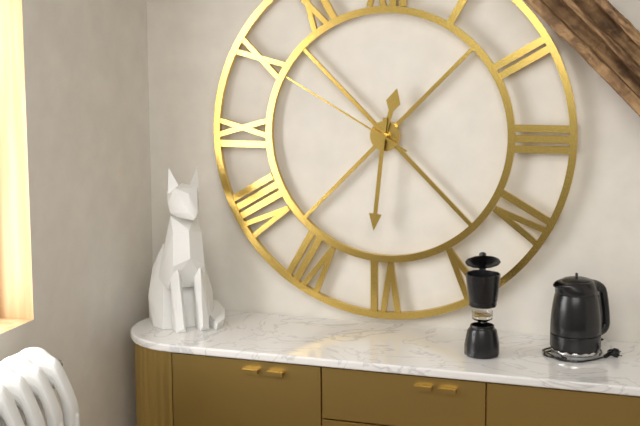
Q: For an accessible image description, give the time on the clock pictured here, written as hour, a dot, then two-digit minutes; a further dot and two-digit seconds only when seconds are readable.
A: 12.31.50
